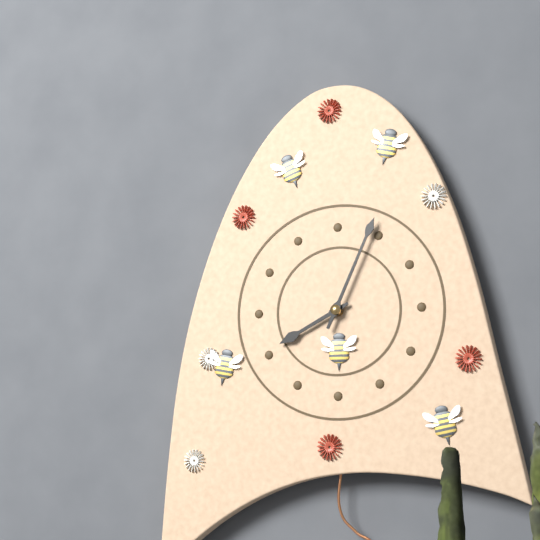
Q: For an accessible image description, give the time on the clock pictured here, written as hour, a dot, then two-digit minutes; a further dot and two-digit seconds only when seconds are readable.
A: 8.04
